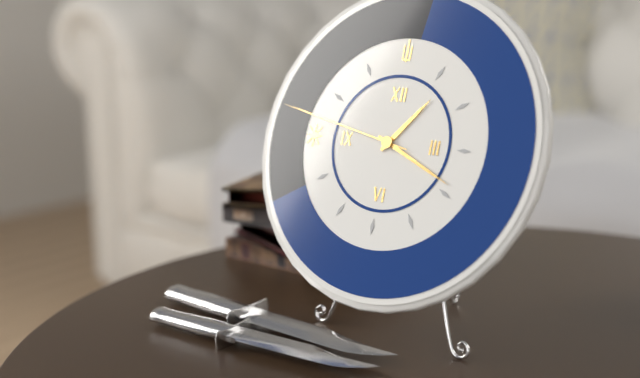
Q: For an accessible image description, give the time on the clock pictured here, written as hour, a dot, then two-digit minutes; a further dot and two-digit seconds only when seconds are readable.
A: 1.19.47
